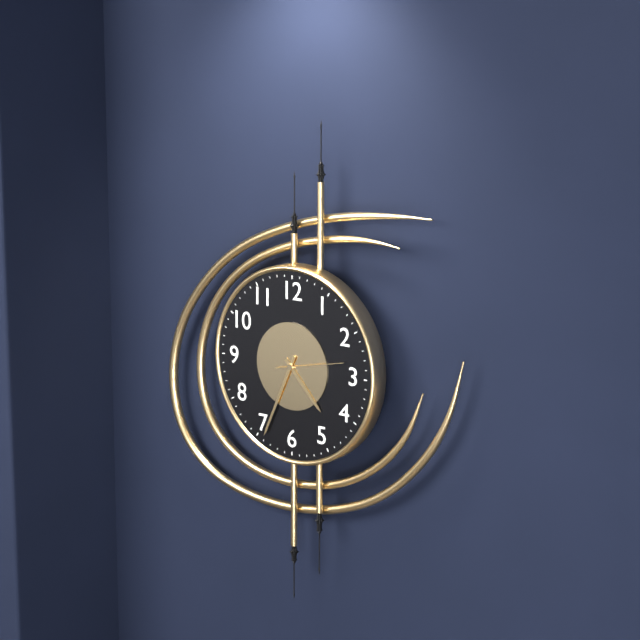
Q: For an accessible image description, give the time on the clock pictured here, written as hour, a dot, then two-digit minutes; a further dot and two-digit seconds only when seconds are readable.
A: 4.34.13
